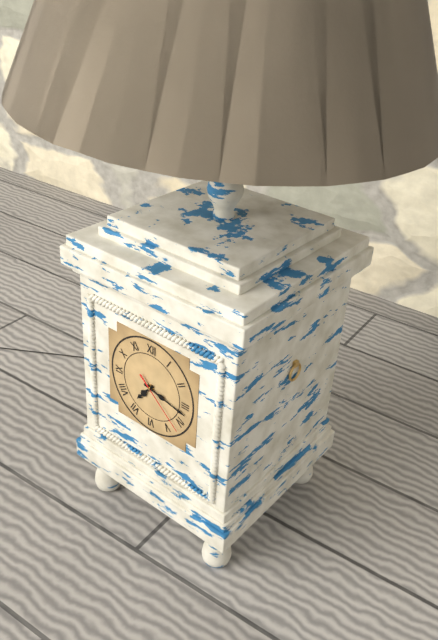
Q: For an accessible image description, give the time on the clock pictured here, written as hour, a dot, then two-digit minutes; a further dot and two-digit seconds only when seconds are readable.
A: 7.17.22
